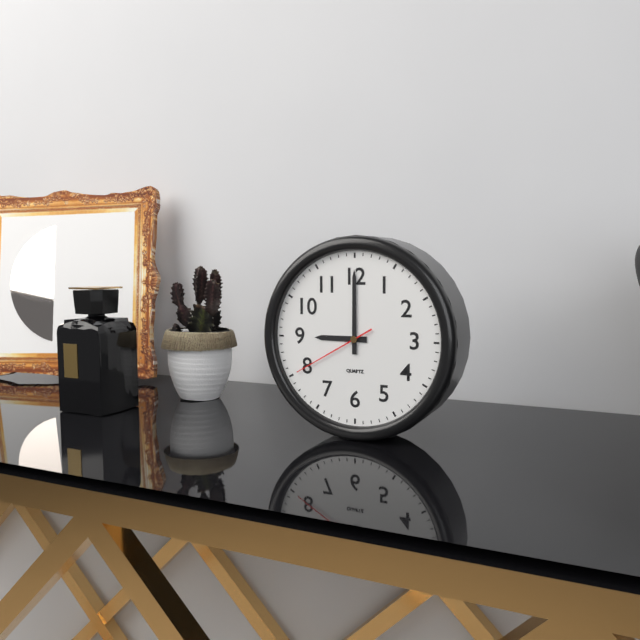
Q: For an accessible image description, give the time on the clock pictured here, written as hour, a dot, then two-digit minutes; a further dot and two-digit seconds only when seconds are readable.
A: 9.00.40
